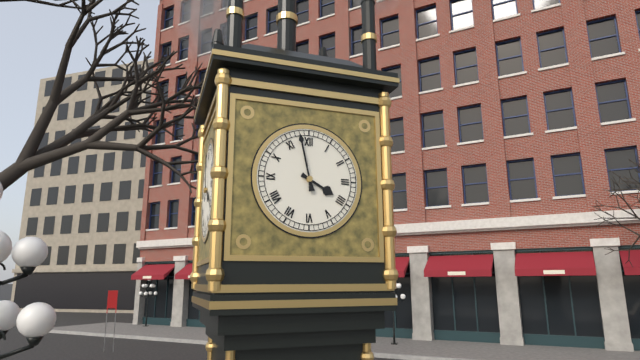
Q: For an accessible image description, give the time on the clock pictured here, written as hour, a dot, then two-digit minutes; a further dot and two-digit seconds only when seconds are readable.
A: 3.58
